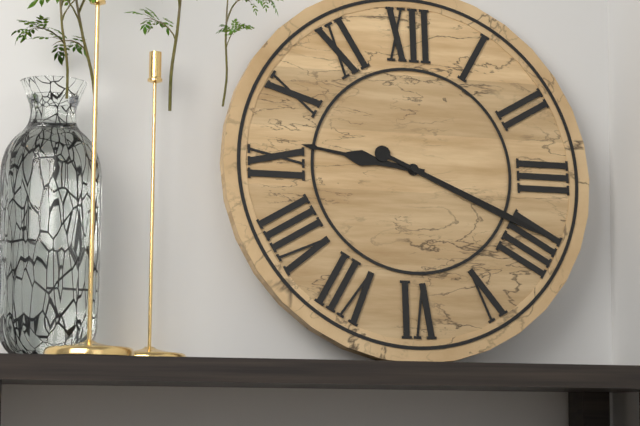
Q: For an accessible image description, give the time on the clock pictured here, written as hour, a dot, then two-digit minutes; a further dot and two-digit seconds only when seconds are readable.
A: 9.19
